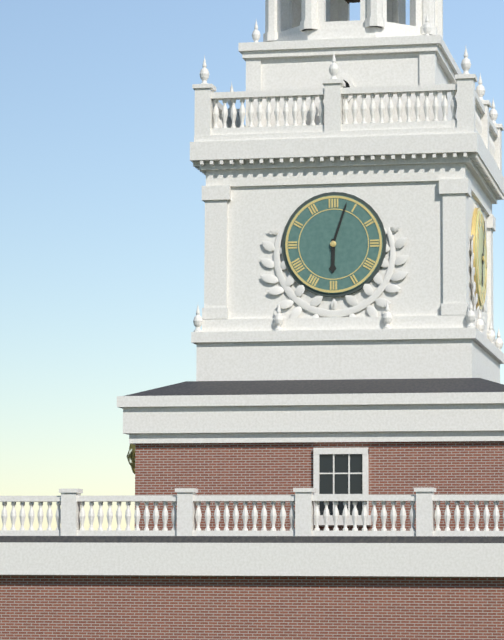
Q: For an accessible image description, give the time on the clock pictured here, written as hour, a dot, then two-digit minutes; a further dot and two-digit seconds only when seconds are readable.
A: 6.03
